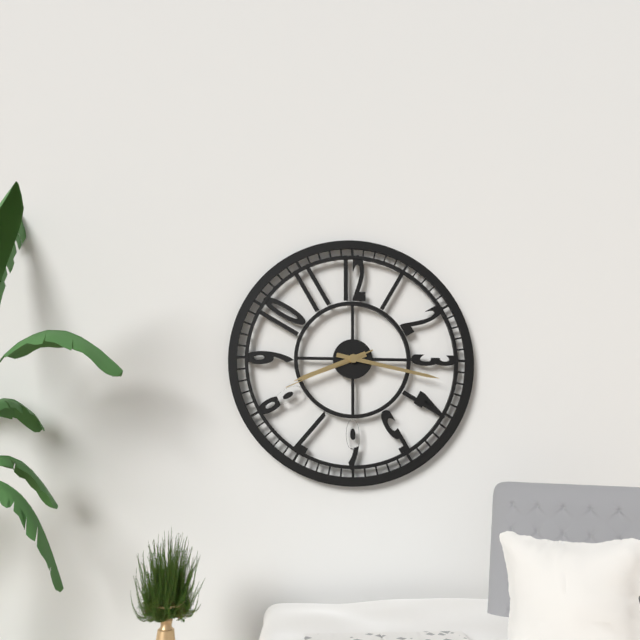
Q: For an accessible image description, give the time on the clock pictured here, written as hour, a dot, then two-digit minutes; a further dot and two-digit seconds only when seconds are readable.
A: 8.17.41
